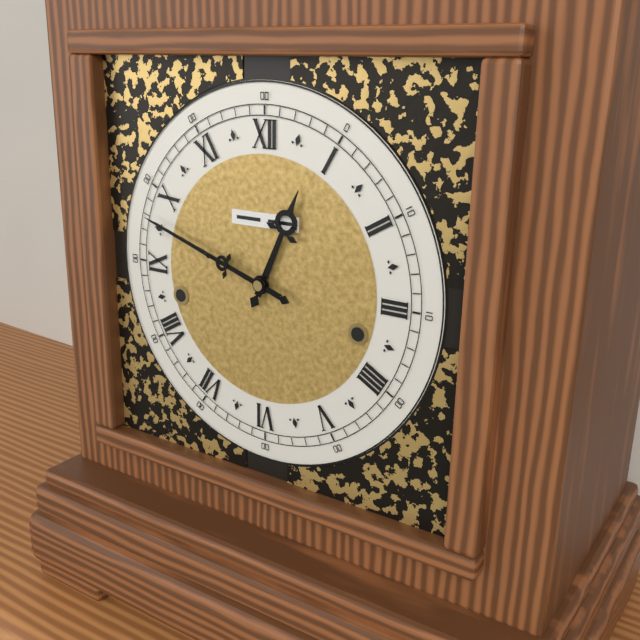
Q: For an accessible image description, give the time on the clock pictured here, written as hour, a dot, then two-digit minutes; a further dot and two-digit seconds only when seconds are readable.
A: 12.48
